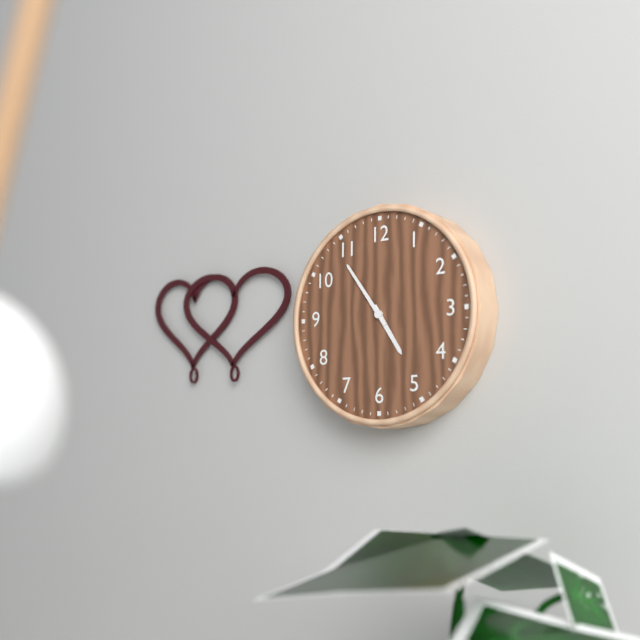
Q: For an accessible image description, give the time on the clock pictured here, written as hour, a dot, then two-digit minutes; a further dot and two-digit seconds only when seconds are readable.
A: 4.54
